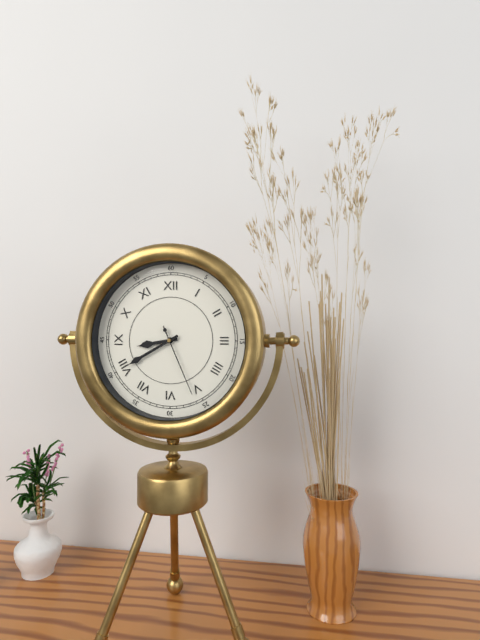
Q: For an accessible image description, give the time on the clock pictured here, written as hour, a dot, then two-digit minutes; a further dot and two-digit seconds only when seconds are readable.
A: 8.40.26
